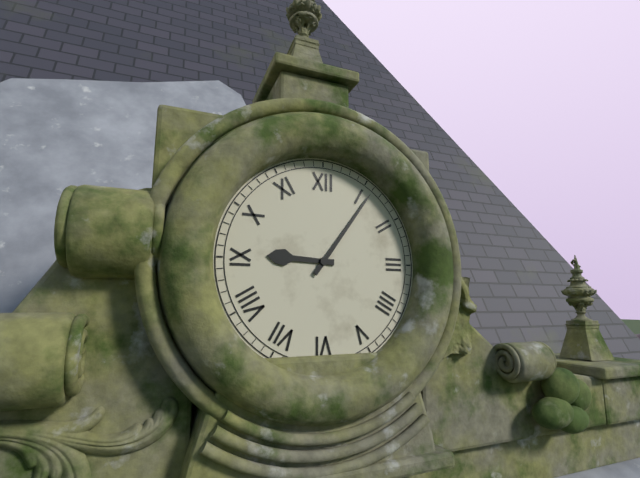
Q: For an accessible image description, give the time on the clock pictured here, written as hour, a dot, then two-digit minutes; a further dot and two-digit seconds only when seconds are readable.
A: 9.06
